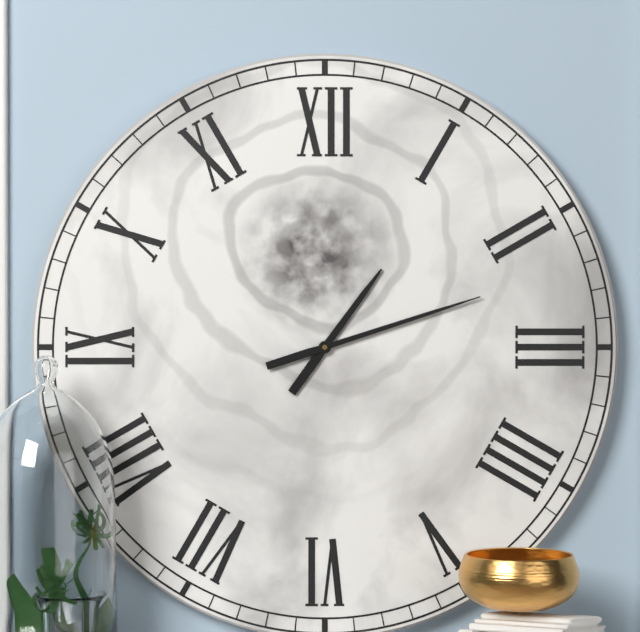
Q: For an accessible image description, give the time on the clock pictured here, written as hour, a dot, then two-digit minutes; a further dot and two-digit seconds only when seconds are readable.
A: 1.12
